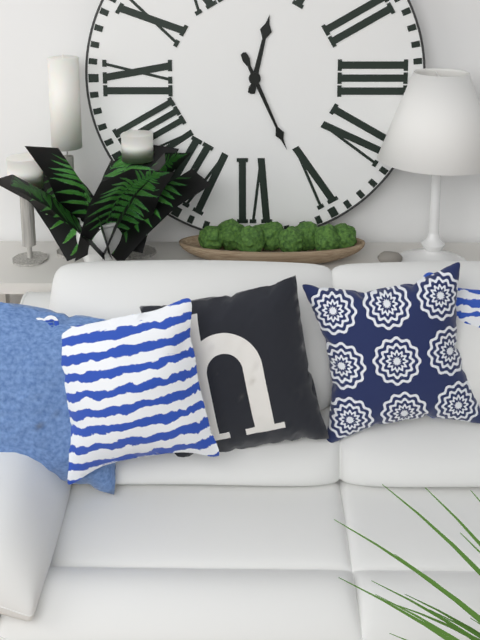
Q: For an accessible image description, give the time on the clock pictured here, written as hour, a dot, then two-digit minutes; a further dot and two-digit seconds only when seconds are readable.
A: 12.26
